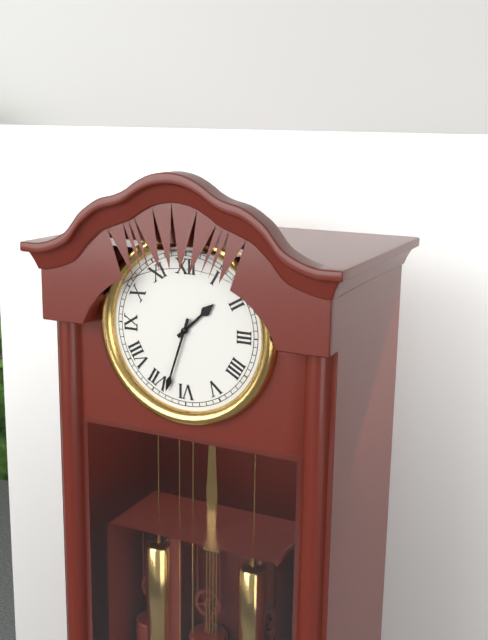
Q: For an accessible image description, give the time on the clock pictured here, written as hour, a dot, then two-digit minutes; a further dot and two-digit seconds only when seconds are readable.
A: 1.33
